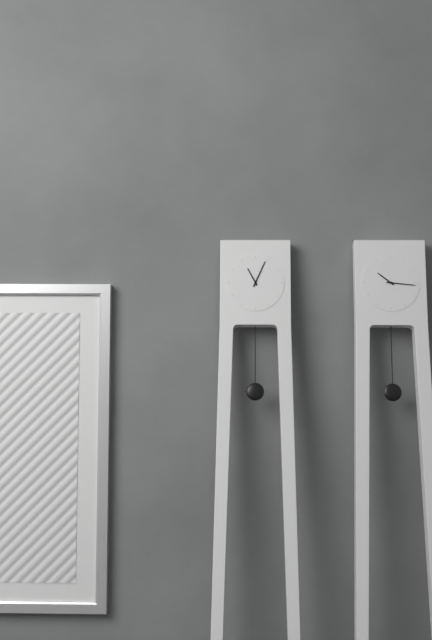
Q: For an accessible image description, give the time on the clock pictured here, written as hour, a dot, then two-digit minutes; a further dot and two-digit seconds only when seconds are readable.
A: 11.04
